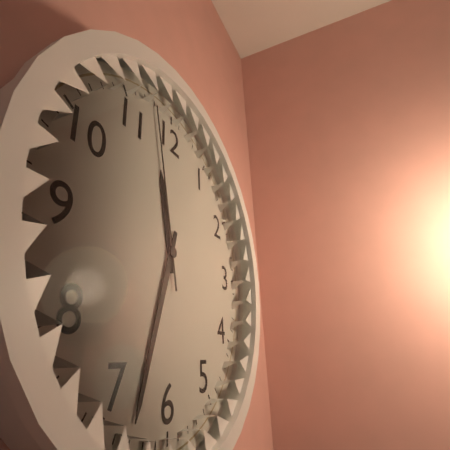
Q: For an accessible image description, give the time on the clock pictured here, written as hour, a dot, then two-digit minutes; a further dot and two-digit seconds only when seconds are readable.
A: 11.33.58
